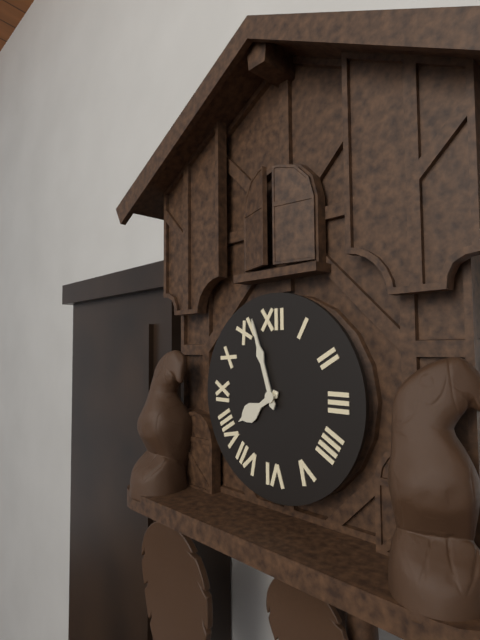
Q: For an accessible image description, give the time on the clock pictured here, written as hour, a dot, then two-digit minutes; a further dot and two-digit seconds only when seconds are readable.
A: 7.57
